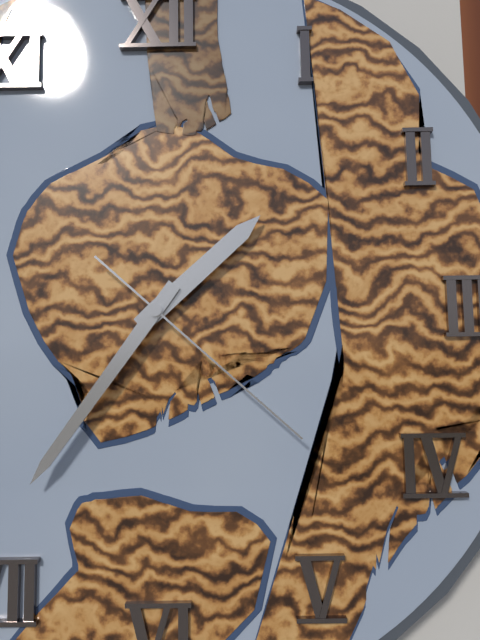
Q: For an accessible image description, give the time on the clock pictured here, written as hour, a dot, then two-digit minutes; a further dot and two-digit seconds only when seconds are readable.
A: 1.36.22
